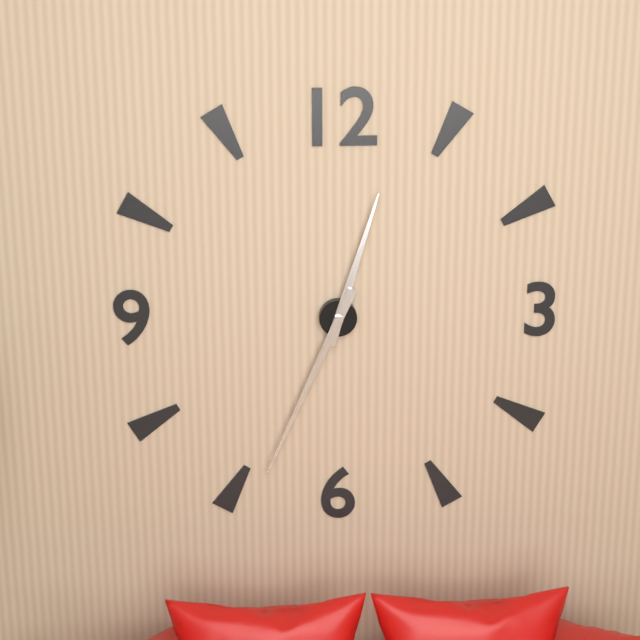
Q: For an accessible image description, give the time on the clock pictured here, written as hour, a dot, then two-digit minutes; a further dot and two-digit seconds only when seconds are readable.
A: 12.34
